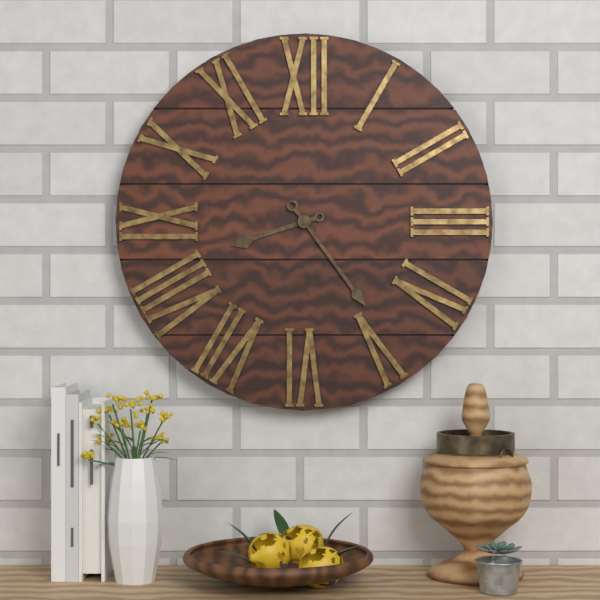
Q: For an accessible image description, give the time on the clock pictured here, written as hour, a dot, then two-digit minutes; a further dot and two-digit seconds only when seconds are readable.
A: 8.24
